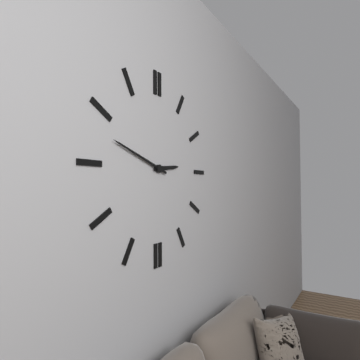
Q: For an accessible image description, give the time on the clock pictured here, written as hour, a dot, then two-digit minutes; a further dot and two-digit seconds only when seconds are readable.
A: 2.48
